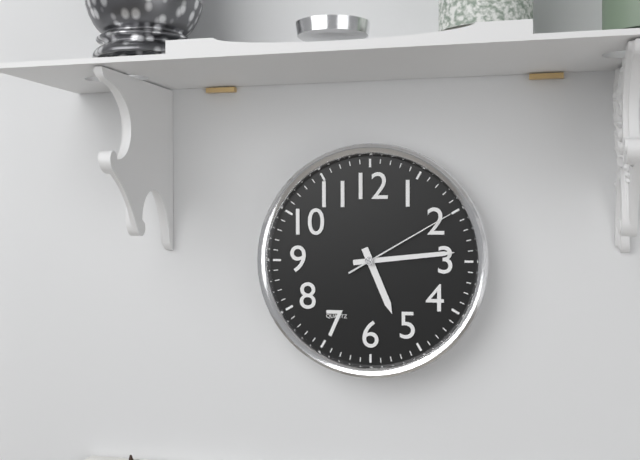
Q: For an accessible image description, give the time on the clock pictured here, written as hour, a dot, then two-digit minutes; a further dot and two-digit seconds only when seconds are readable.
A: 5.14.10
